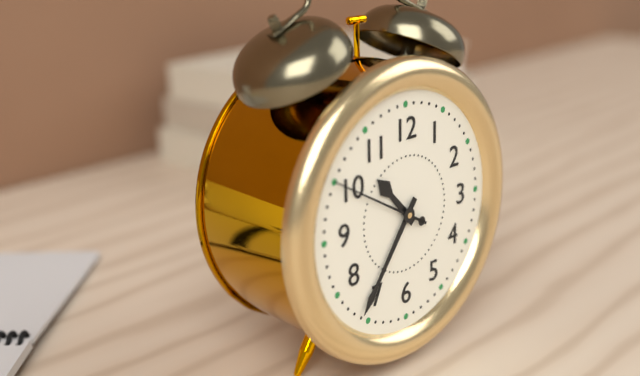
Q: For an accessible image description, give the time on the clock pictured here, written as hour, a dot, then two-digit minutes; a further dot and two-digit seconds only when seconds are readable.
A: 10.36.50
